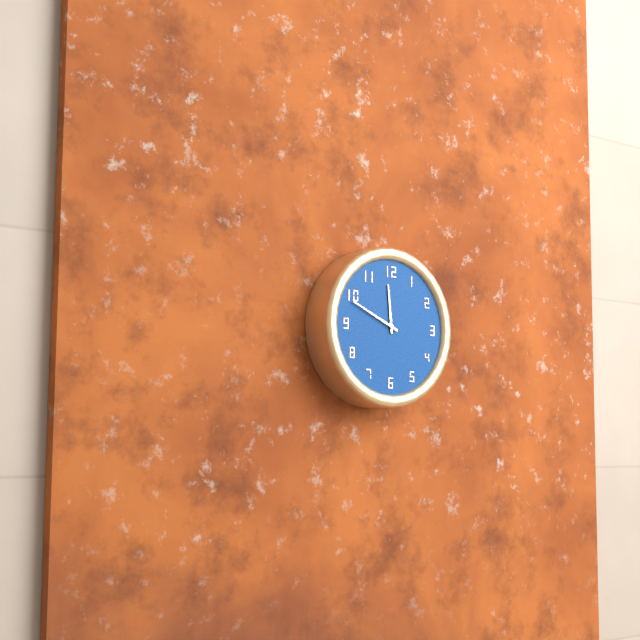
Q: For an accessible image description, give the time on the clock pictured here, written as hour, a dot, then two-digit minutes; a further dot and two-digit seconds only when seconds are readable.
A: 11.49
